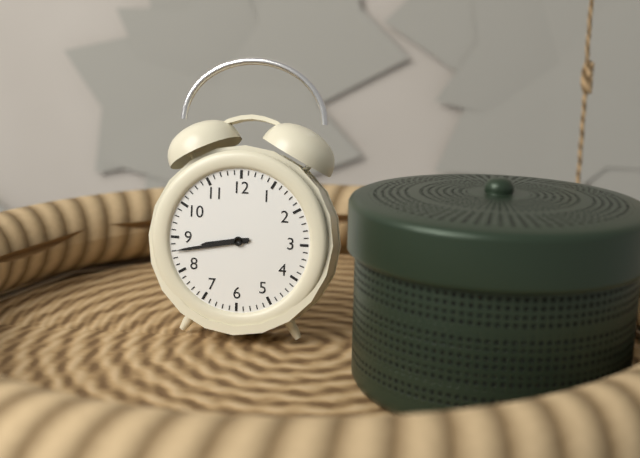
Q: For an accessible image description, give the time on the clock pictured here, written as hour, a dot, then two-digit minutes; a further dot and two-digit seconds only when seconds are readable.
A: 8.43
